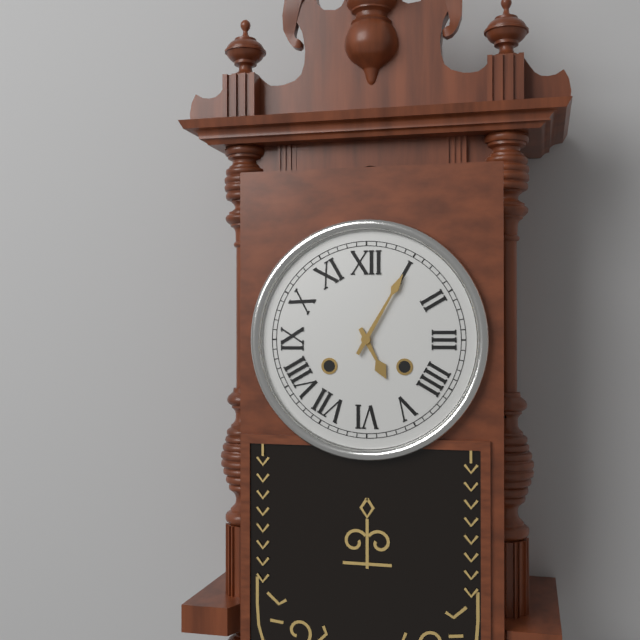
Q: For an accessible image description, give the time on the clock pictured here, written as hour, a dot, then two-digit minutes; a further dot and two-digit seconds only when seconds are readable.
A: 5.05
